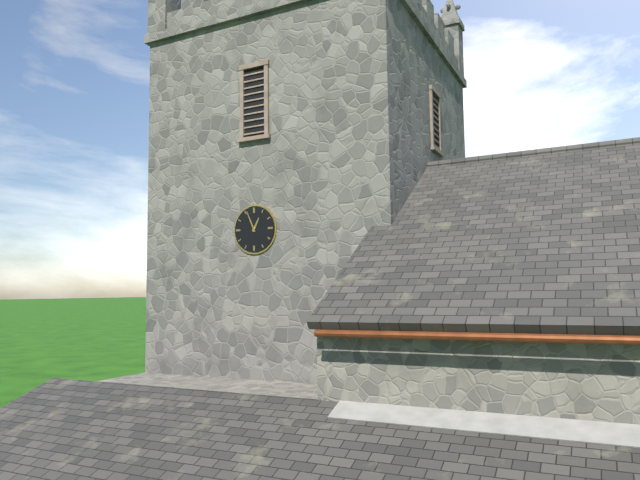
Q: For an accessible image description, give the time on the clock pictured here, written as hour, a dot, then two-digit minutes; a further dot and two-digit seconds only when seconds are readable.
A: 12.56
